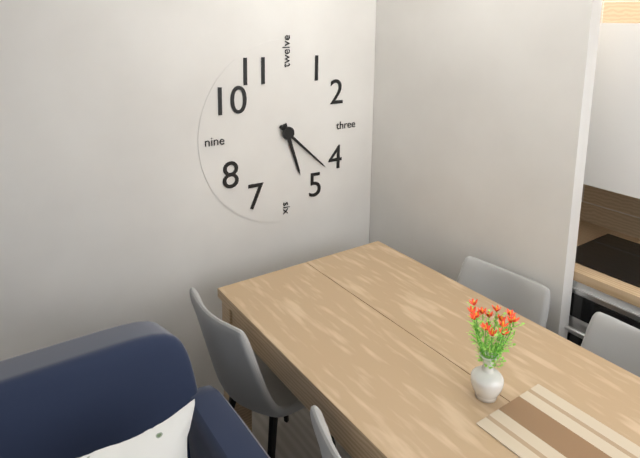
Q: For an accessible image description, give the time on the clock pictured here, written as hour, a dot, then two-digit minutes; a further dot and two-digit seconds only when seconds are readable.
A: 5.22
